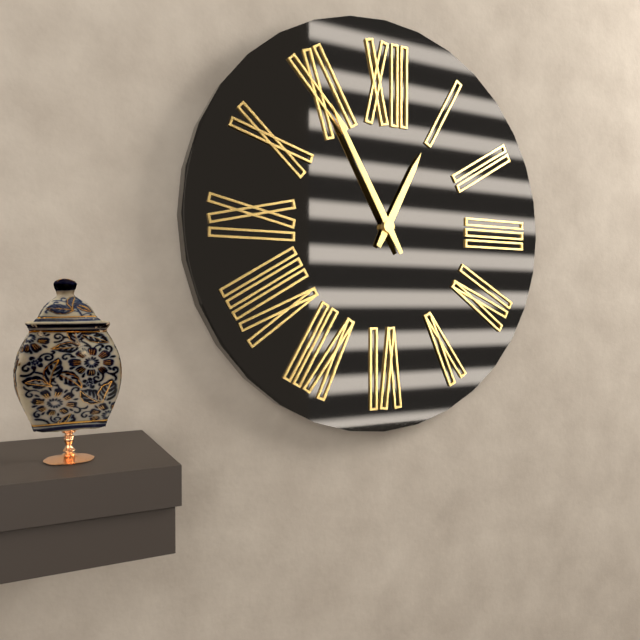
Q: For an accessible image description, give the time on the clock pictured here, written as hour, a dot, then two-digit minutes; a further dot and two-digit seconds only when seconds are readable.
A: 12.55
